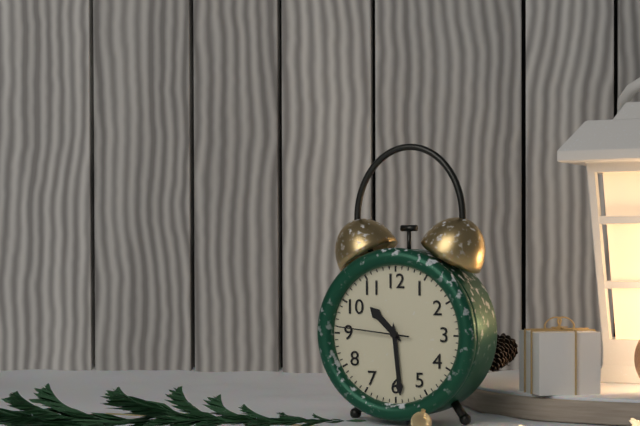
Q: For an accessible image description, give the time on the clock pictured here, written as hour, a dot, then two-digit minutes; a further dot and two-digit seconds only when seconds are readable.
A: 10.29.46
